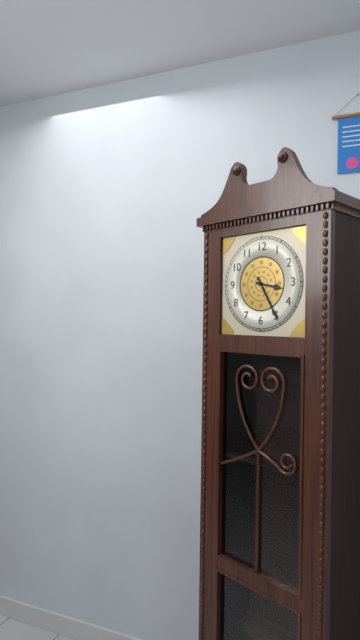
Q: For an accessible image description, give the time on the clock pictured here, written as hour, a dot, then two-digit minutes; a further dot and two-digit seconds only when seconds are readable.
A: 3.25
